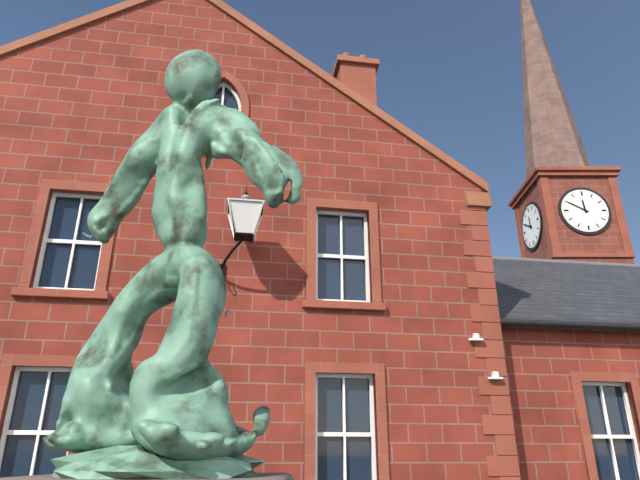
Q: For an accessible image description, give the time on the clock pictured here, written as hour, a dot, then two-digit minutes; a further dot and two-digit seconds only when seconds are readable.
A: 11.50
